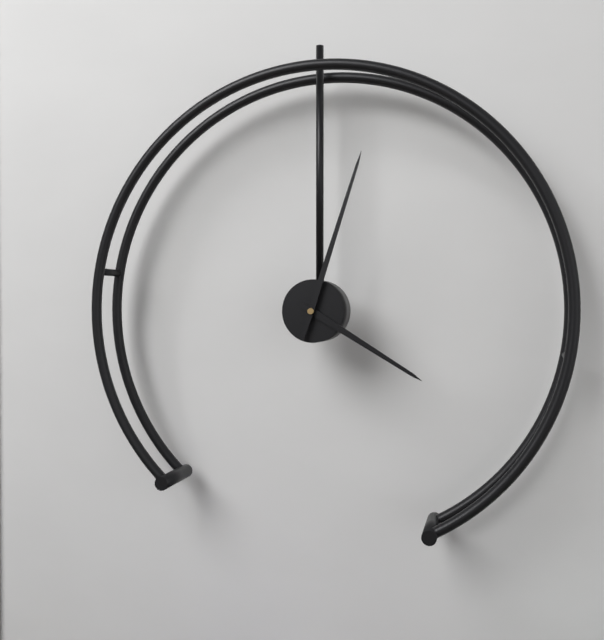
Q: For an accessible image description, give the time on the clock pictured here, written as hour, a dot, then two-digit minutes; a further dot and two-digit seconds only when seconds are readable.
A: 4.03
